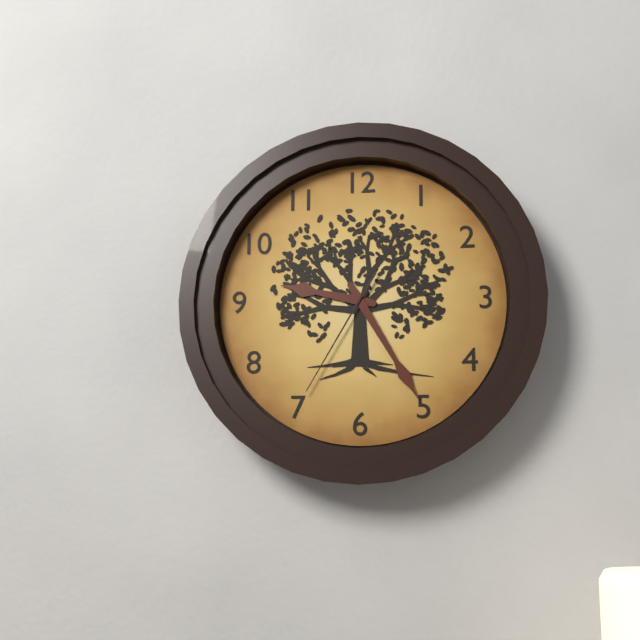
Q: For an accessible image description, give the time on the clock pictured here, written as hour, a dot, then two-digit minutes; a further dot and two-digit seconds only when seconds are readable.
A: 9.25.35
